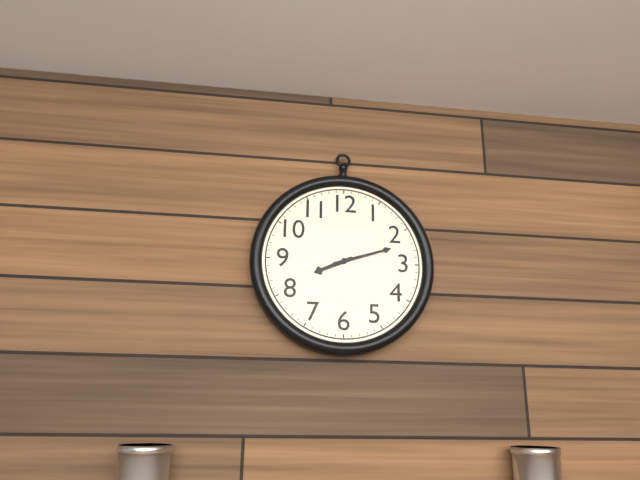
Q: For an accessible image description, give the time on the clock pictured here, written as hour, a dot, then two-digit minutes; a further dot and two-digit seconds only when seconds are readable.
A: 8.12
